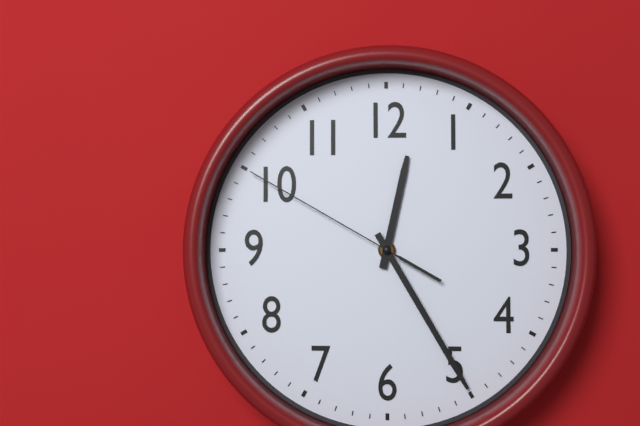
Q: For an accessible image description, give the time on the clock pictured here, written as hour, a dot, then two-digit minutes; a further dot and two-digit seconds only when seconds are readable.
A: 12.25.50
